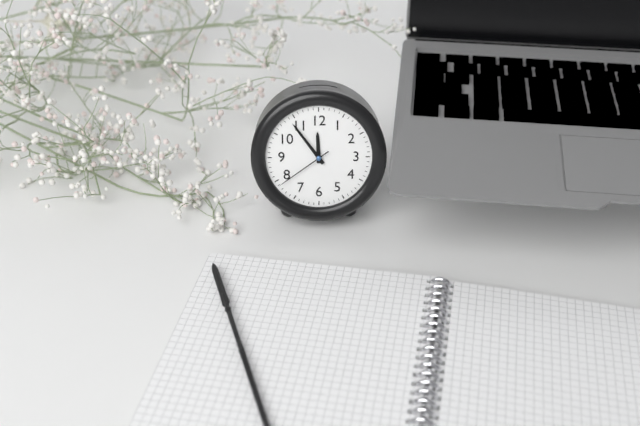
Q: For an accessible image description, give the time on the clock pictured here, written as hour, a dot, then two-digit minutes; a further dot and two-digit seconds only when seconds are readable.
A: 11.54.39
